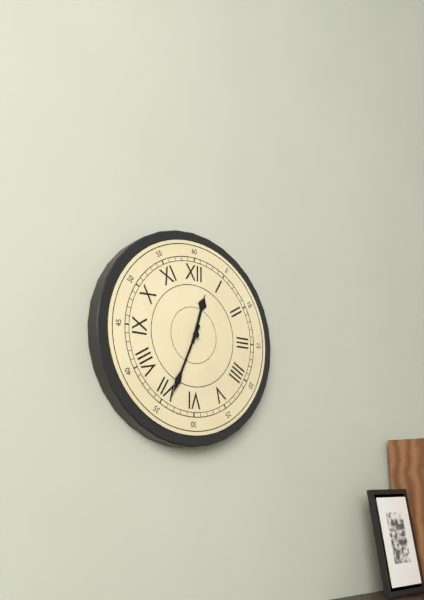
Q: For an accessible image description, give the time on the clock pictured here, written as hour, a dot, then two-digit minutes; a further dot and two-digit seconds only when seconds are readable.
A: 12.34
